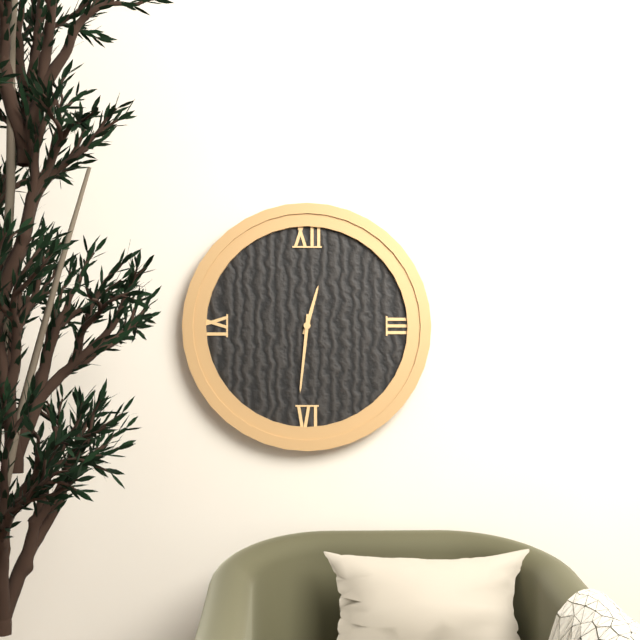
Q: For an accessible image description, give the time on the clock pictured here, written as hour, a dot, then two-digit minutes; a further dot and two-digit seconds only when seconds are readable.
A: 12.31
